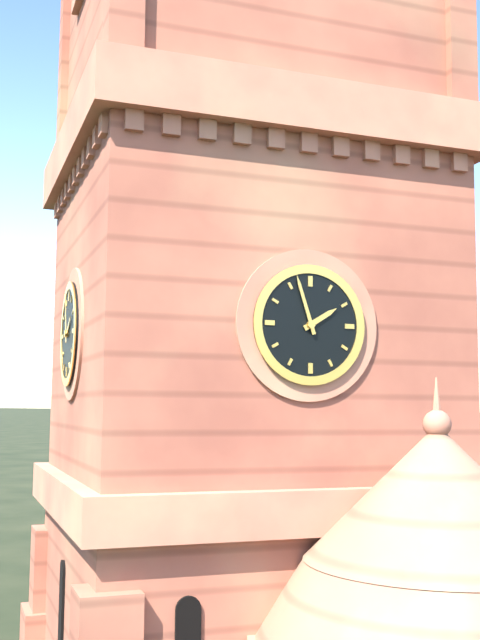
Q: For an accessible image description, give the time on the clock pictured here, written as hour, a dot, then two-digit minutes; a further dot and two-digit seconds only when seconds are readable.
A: 1.57
